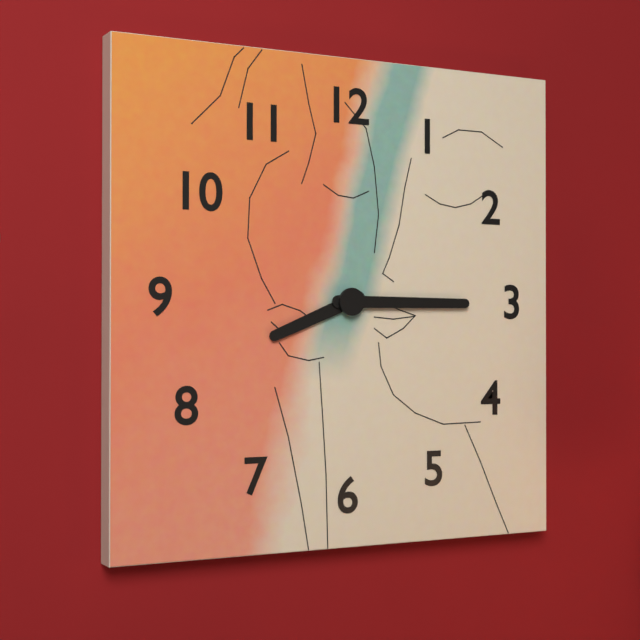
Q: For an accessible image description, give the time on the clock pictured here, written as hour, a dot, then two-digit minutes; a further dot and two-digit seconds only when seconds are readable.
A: 8.15
